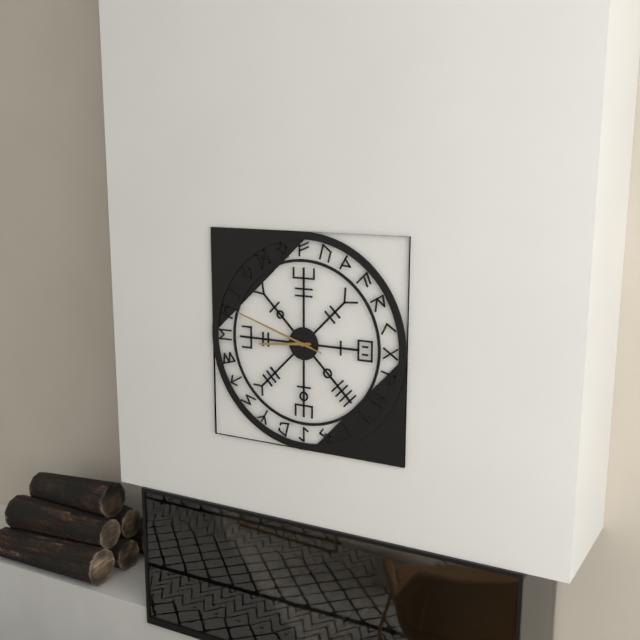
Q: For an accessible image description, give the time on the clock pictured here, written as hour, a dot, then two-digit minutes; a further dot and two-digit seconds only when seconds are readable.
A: 8.48.48
